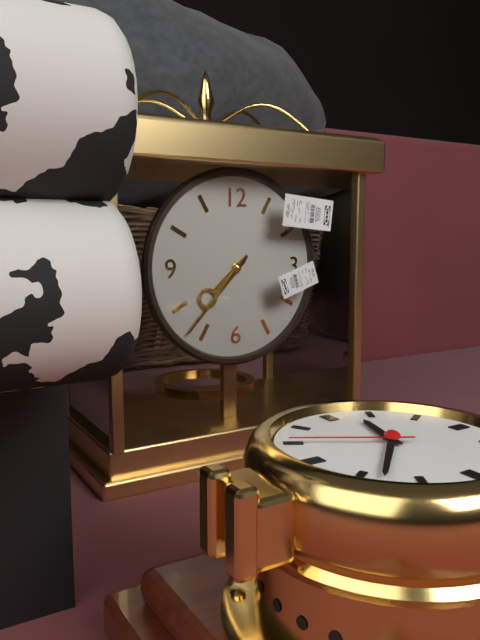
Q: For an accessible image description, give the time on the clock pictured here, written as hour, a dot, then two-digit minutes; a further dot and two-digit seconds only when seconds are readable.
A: 7.37
